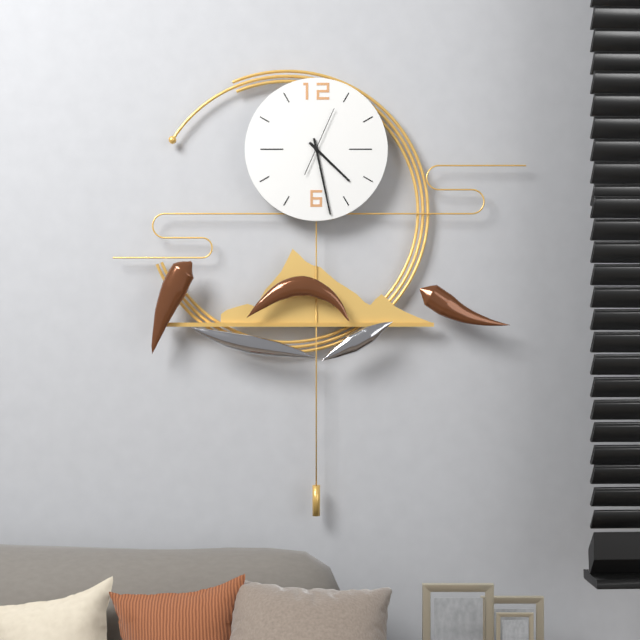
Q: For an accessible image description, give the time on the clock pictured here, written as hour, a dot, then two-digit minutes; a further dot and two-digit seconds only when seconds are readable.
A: 4.28.04
